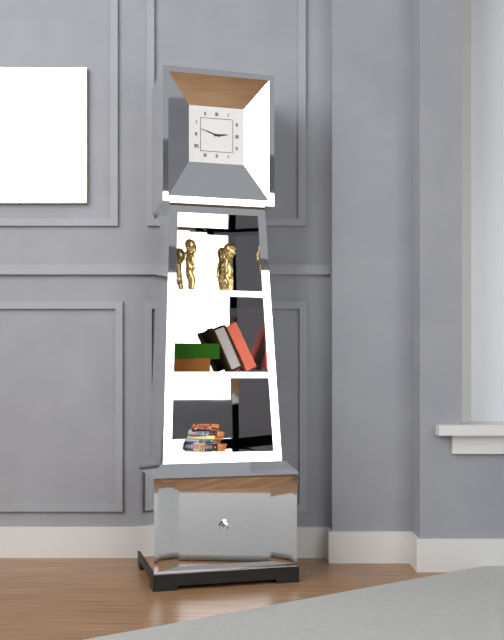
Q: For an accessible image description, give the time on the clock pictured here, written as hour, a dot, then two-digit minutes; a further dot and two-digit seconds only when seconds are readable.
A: 2.48
